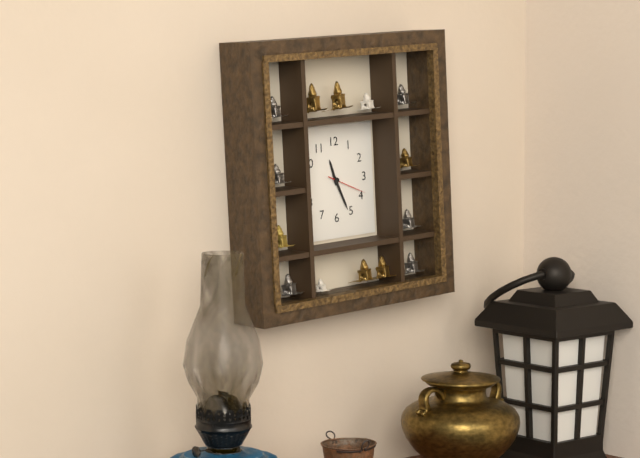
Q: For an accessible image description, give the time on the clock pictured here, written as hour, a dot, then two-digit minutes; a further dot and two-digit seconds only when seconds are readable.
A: 11.26
